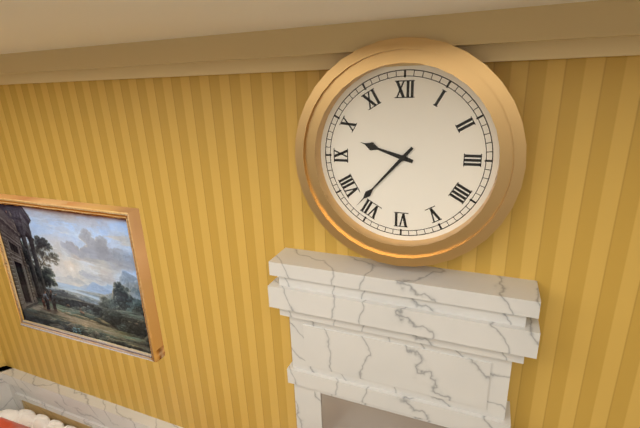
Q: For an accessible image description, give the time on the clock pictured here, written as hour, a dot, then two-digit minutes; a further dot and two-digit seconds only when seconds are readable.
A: 9.37
